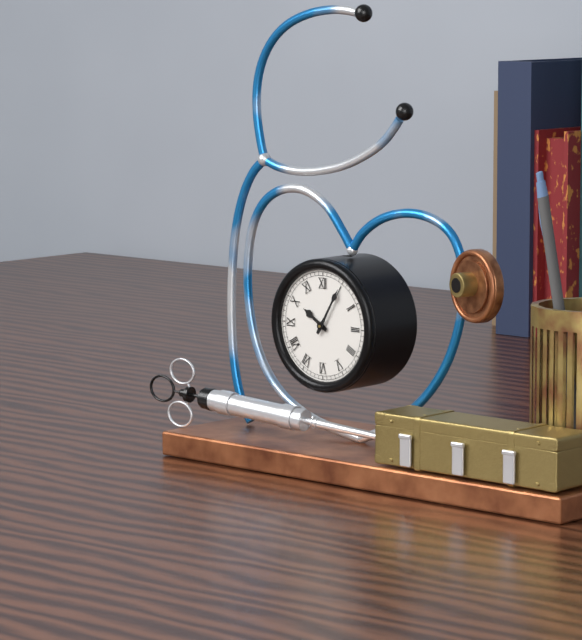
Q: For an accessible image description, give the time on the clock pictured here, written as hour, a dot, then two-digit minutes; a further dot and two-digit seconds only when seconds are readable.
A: 10.05
